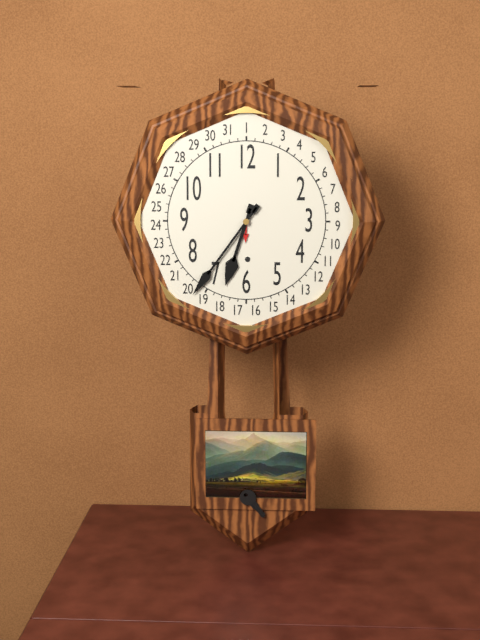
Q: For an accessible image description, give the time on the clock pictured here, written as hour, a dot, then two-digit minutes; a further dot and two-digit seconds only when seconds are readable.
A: 6.36
